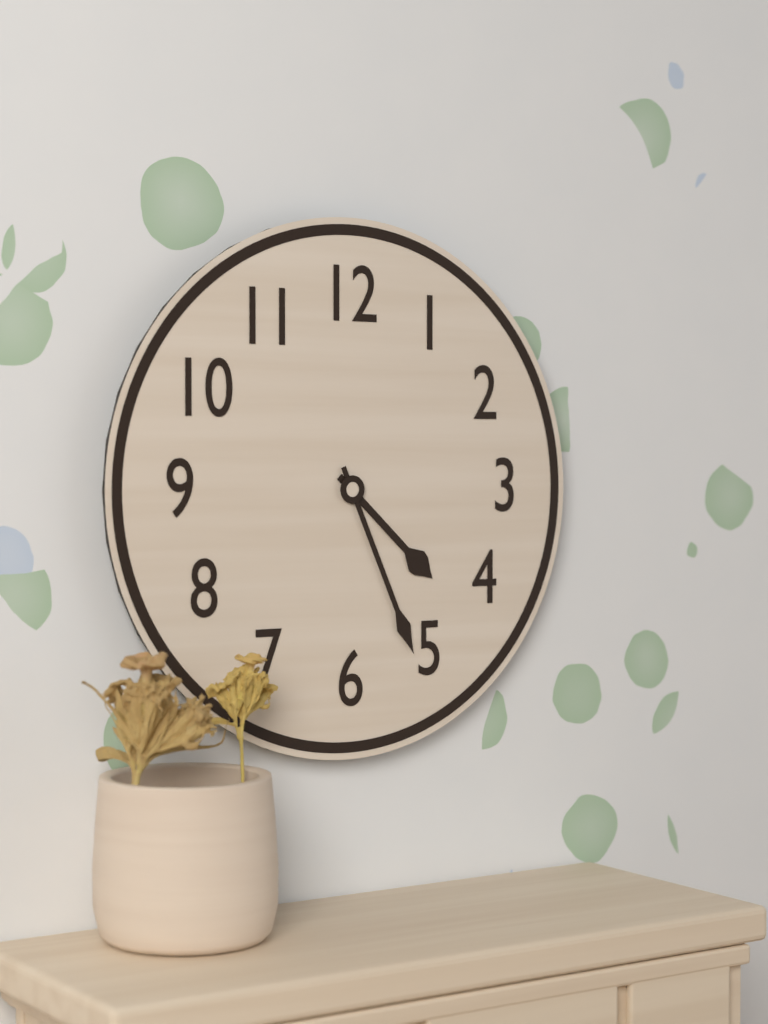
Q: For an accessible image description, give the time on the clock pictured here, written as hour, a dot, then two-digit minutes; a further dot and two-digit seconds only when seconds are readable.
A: 4.26
